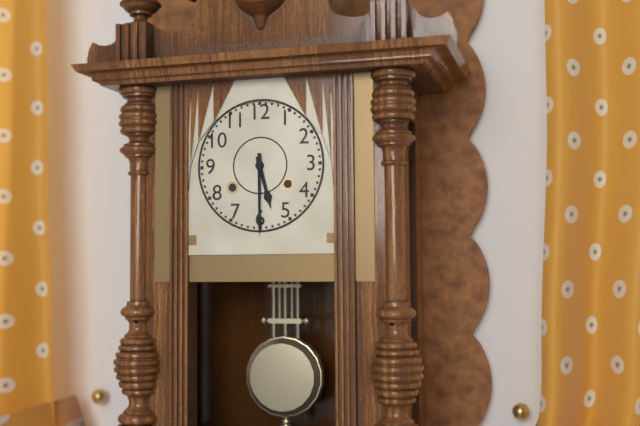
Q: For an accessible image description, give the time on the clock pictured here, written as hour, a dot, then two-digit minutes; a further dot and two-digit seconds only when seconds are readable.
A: 5.30
